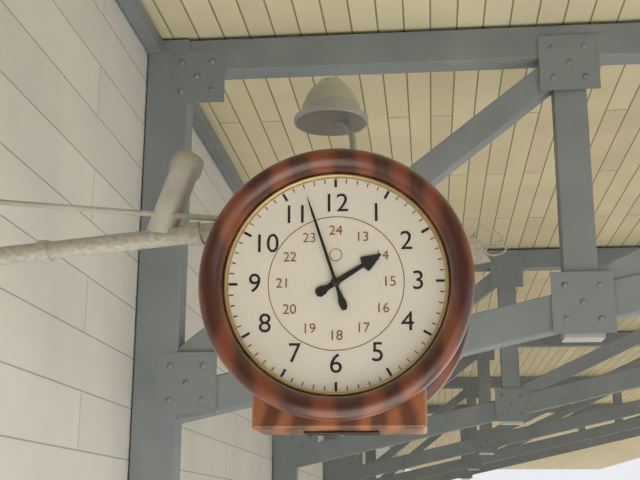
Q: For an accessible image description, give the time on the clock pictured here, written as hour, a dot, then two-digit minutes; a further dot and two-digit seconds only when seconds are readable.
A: 1.57
